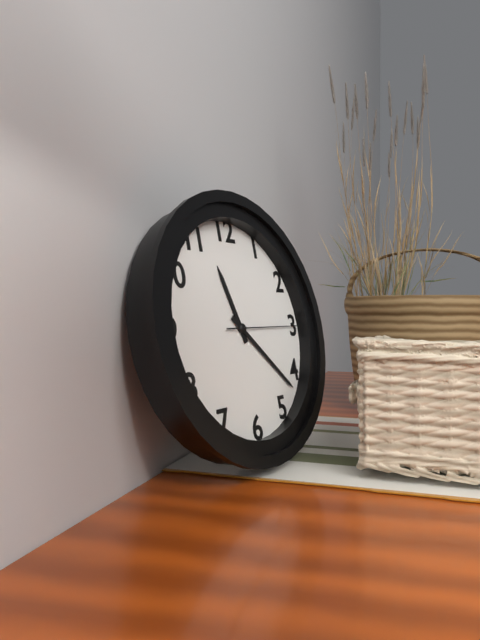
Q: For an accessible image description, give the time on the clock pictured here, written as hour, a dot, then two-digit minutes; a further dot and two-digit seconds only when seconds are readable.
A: 11.22.15
